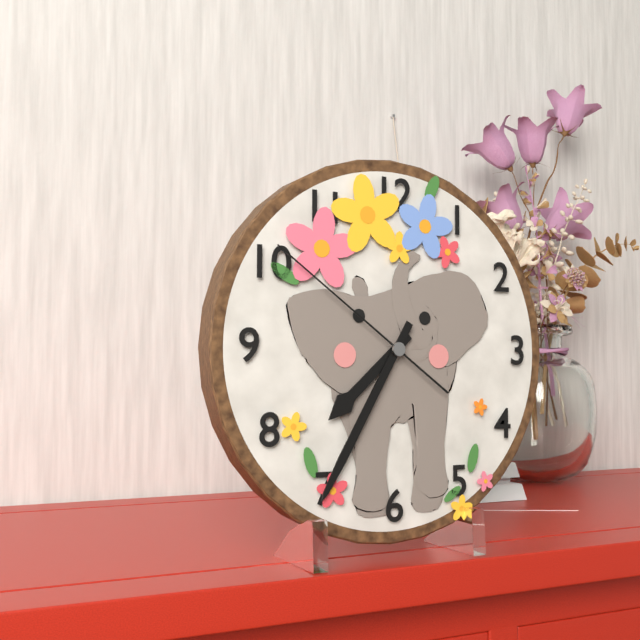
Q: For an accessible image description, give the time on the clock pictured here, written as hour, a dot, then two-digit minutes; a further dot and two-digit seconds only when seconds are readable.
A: 7.35.51
